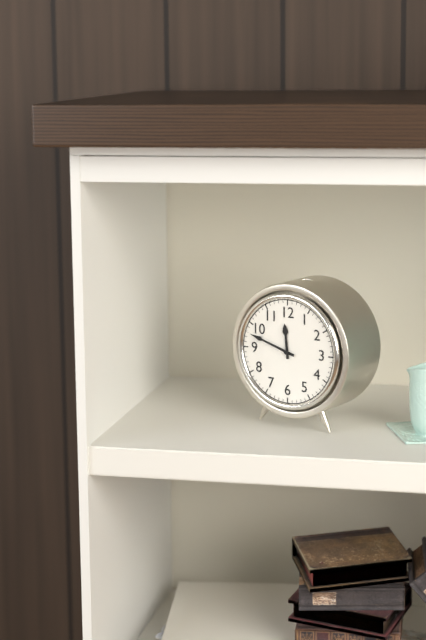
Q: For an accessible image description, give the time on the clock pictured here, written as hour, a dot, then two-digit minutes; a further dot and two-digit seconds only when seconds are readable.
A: 11.48
